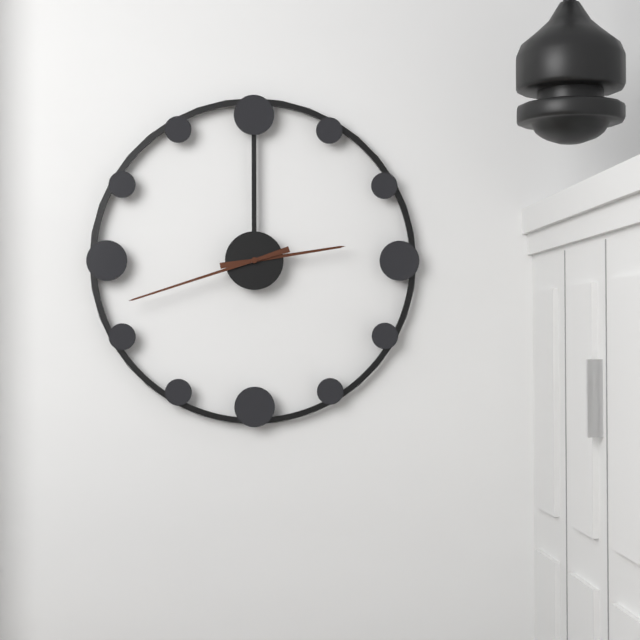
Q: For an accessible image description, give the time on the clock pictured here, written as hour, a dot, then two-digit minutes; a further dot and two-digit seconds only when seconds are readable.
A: 2.42
